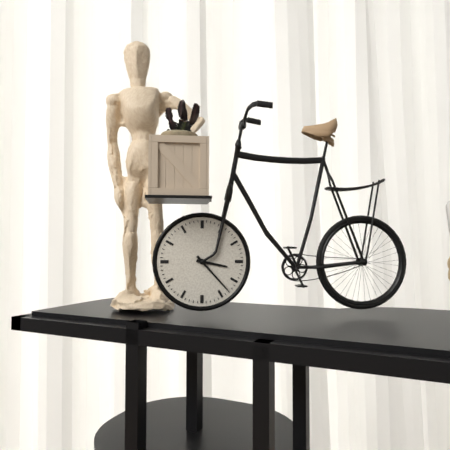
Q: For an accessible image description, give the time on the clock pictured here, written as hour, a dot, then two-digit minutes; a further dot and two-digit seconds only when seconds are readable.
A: 3.23
